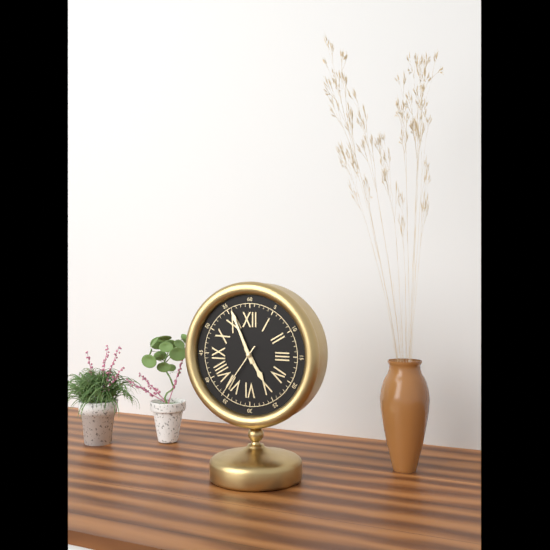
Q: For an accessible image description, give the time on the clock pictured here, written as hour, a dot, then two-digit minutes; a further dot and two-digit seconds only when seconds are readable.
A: 4.56.36
